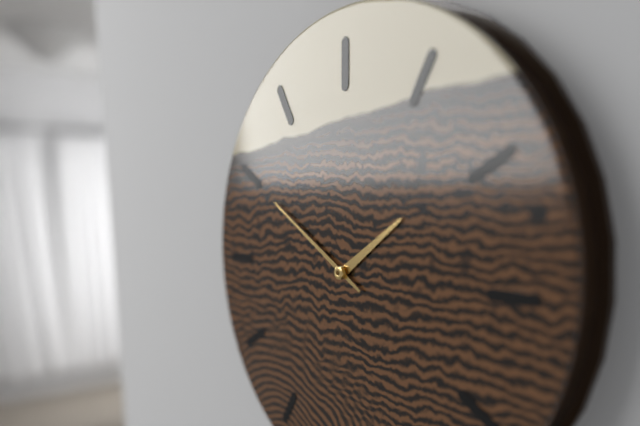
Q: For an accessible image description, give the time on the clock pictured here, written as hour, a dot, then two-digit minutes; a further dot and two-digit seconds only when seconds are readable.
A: 1.50
